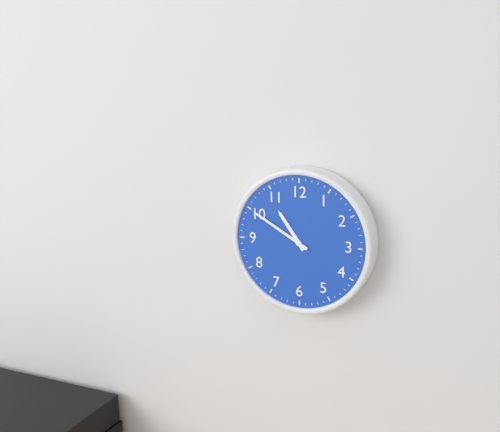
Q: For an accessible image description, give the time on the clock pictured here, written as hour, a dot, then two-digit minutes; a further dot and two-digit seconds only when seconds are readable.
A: 10.50
